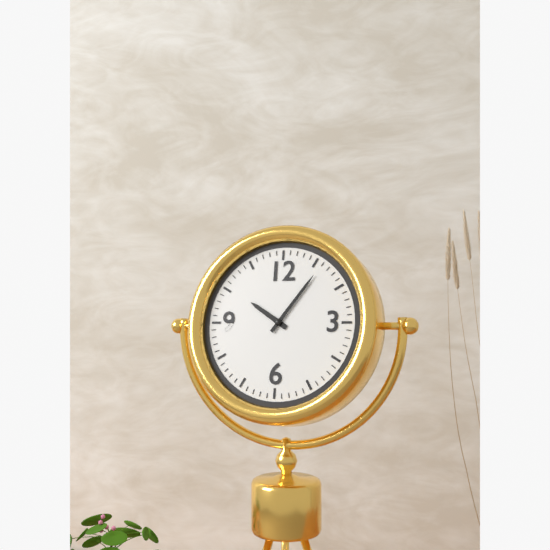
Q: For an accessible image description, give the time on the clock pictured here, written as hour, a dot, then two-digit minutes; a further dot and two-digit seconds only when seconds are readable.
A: 10.06
